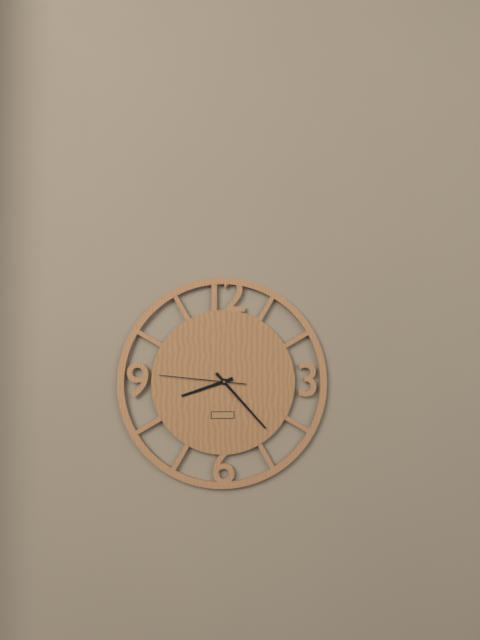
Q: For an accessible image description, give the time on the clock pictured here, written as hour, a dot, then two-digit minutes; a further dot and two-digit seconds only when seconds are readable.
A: 8.23.46
